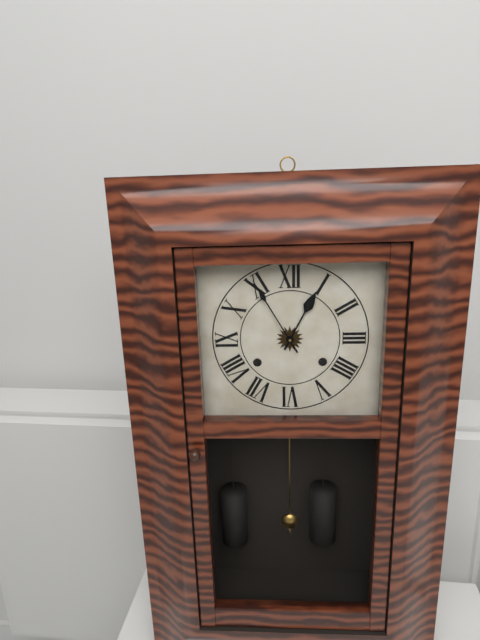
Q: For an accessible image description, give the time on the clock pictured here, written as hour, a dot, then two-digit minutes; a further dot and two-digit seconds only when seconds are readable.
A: 12.55
